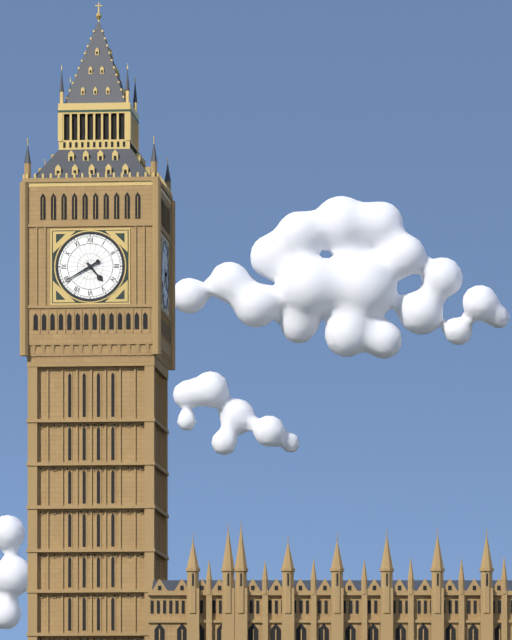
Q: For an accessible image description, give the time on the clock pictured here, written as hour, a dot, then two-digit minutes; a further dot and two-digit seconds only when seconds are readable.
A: 4.40
